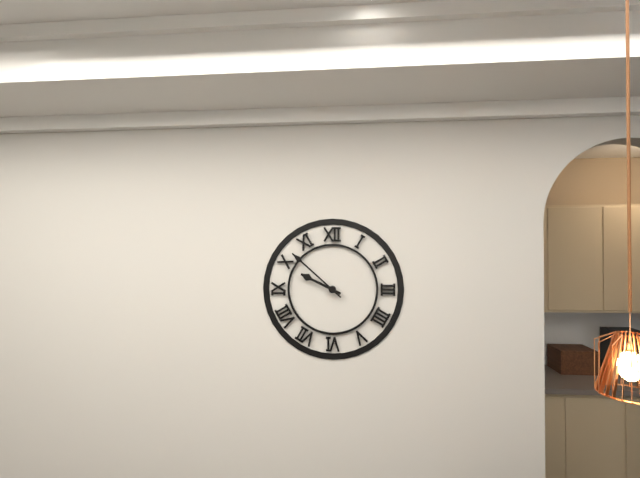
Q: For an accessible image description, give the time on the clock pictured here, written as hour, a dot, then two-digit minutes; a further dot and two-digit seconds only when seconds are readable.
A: 9.52
